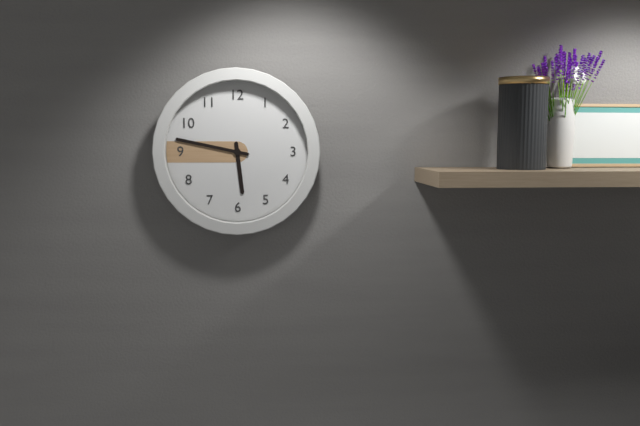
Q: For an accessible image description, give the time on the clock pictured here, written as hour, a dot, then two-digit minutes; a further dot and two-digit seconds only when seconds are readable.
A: 5.47
